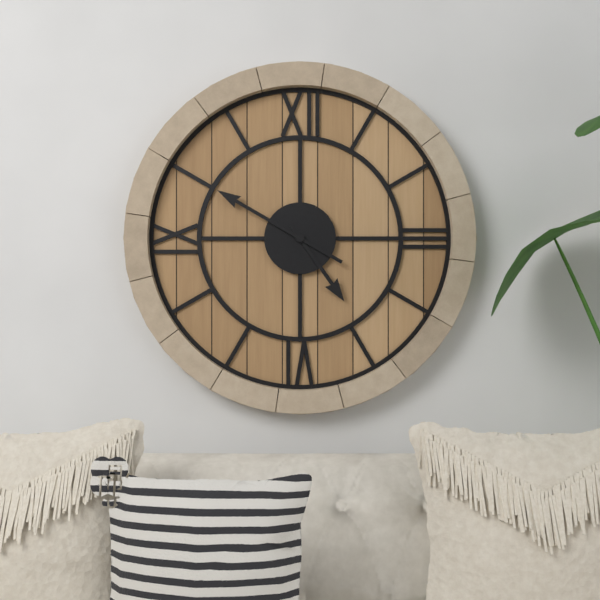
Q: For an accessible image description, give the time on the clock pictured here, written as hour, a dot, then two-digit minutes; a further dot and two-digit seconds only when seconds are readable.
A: 4.50
